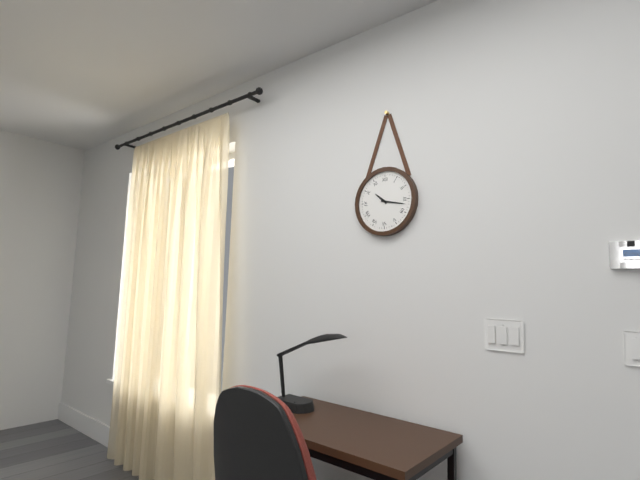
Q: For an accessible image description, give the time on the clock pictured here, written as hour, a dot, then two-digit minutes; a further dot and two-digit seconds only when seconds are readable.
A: 10.17
